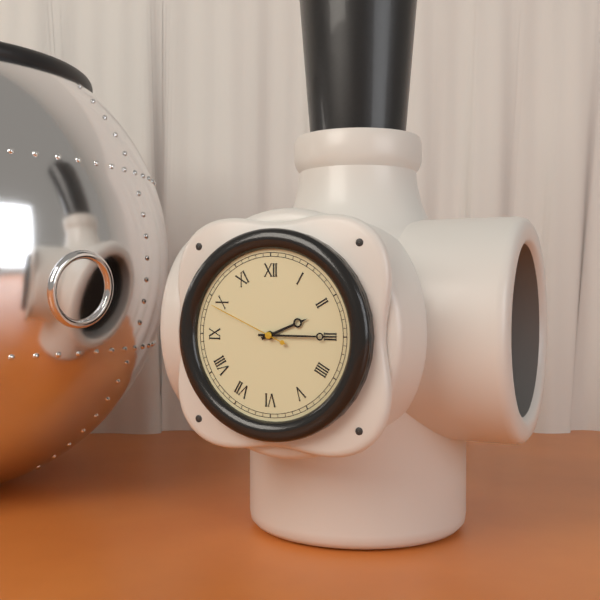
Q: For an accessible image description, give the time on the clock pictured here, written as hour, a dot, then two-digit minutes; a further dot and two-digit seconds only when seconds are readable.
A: 2.15.49
